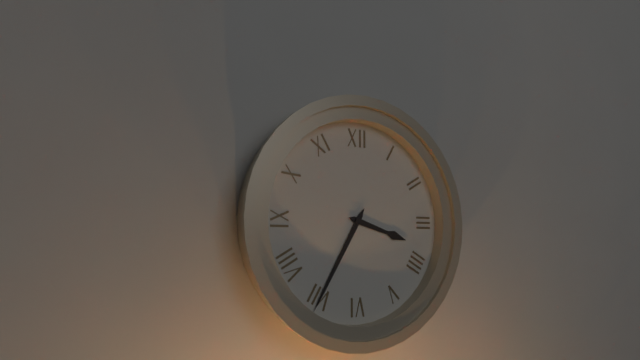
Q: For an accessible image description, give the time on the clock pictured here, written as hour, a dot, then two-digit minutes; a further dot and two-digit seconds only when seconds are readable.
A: 3.35
